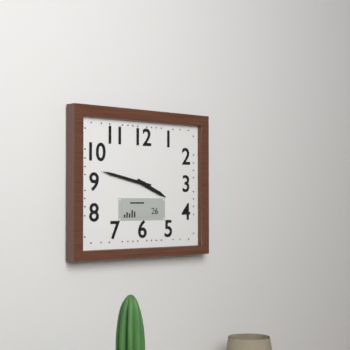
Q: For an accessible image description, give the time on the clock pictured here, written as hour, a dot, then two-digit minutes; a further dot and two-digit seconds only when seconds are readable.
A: 3.47
